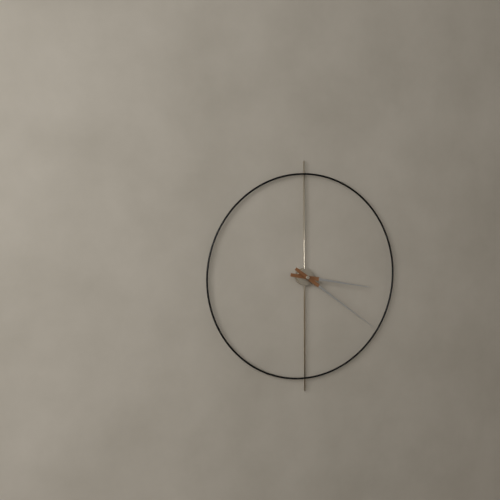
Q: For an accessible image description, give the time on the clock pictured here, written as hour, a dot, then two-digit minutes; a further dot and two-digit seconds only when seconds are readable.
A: 3.21
